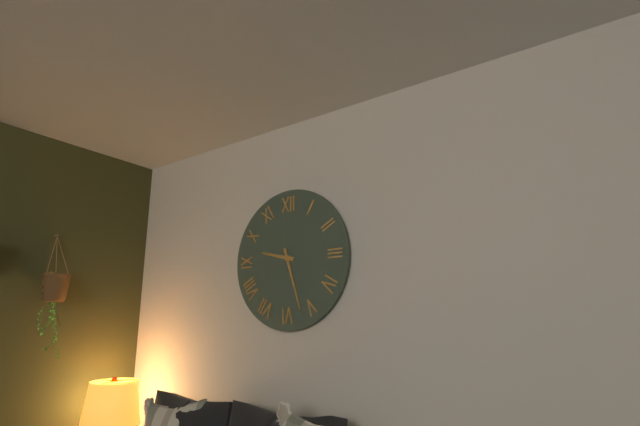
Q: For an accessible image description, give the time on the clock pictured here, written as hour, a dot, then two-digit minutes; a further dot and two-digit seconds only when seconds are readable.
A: 9.27
